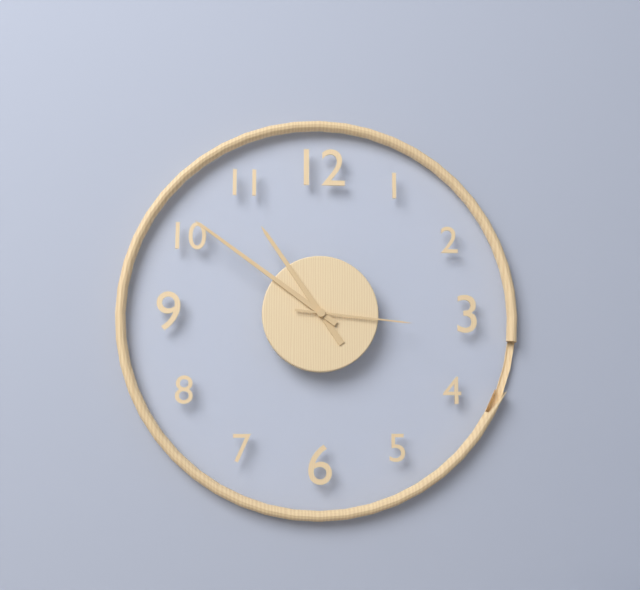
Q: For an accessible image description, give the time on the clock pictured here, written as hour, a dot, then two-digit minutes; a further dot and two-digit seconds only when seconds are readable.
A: 10.51.16
